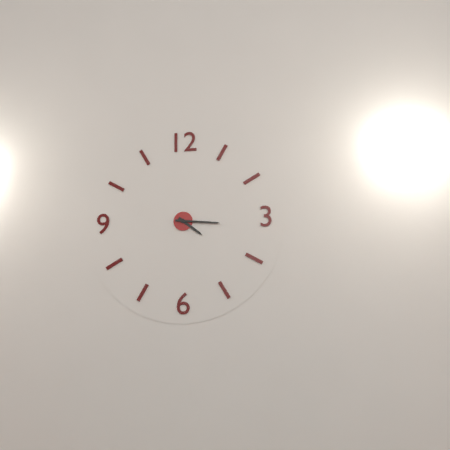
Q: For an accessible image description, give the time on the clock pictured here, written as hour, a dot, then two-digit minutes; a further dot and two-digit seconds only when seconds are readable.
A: 4.16
